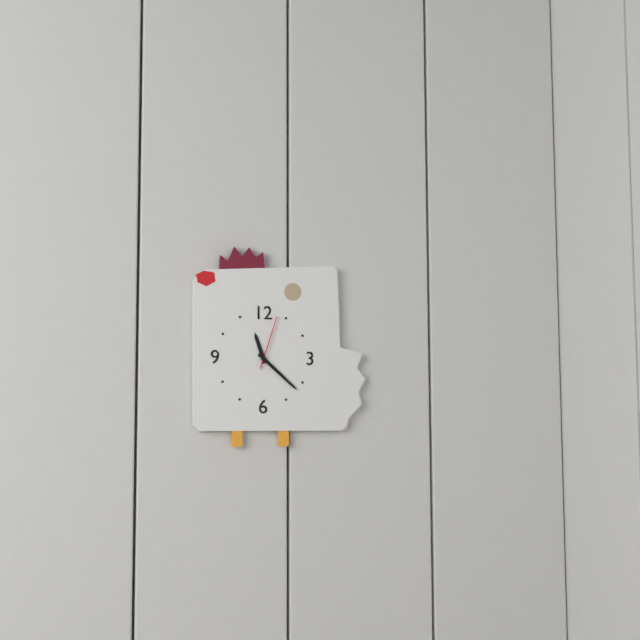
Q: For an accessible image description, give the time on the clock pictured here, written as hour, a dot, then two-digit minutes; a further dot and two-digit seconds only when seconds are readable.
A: 11.22.03
